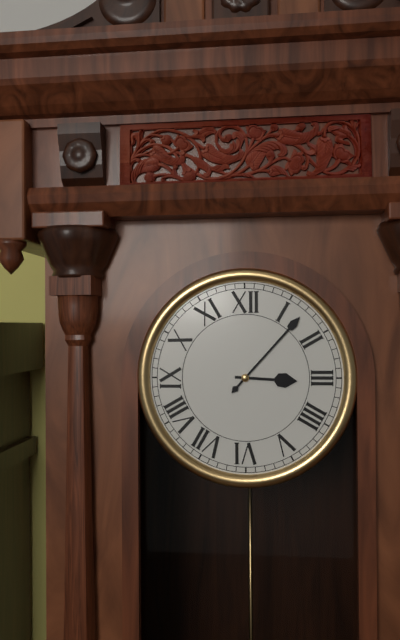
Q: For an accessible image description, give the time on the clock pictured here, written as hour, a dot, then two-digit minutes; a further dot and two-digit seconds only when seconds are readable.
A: 3.07
